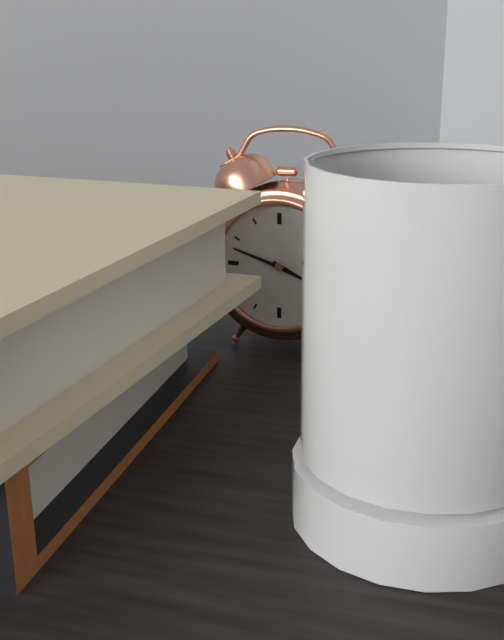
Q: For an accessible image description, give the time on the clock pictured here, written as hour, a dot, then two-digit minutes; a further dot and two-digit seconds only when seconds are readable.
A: 3.48
